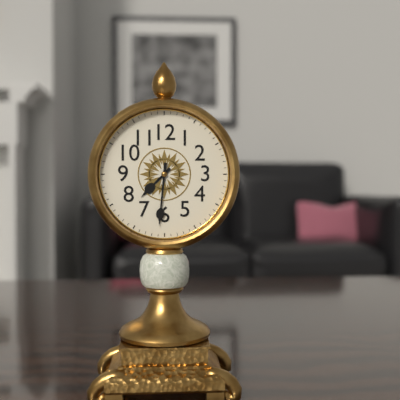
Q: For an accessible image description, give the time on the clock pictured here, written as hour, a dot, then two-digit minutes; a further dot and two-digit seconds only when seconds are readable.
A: 7.31
